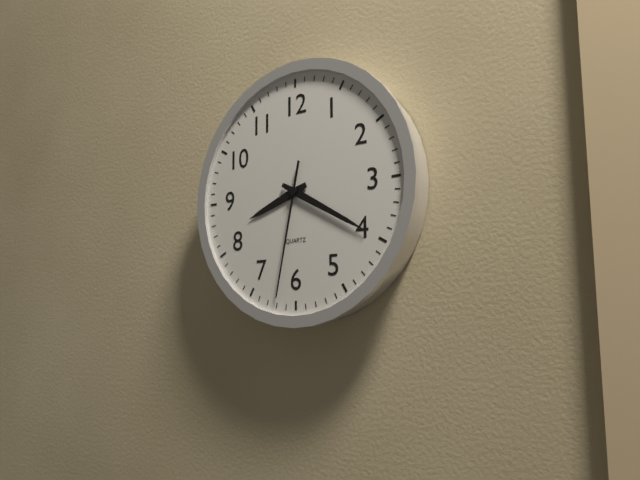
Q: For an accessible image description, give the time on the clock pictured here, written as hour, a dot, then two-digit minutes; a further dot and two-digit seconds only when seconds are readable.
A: 8.20.32
